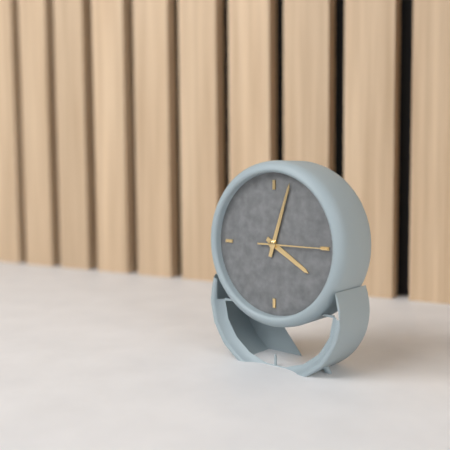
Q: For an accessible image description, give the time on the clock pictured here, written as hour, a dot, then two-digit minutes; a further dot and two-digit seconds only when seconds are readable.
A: 4.03.15
